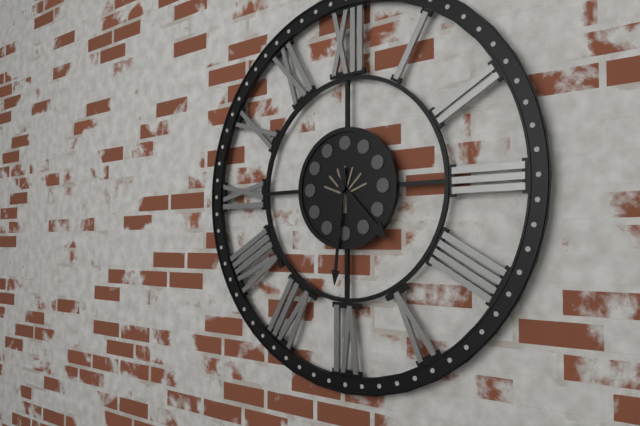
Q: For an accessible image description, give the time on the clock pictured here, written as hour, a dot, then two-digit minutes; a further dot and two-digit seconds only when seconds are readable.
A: 4.31
